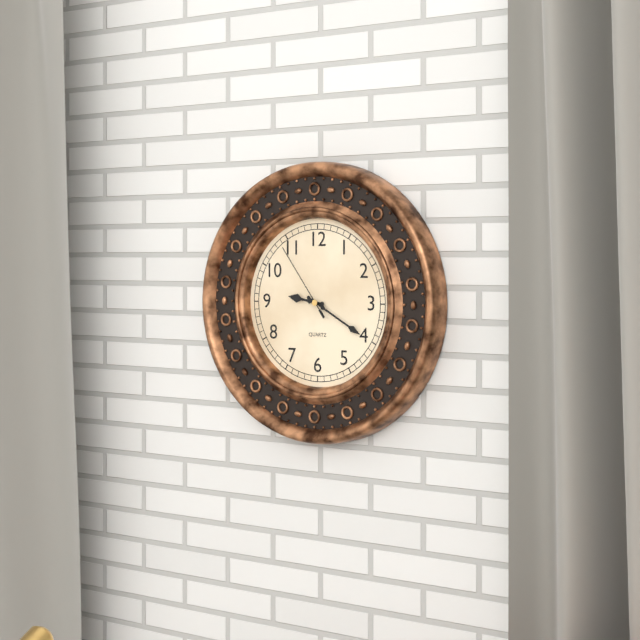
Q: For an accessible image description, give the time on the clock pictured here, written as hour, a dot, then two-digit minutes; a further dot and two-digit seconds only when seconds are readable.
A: 9.20.54
